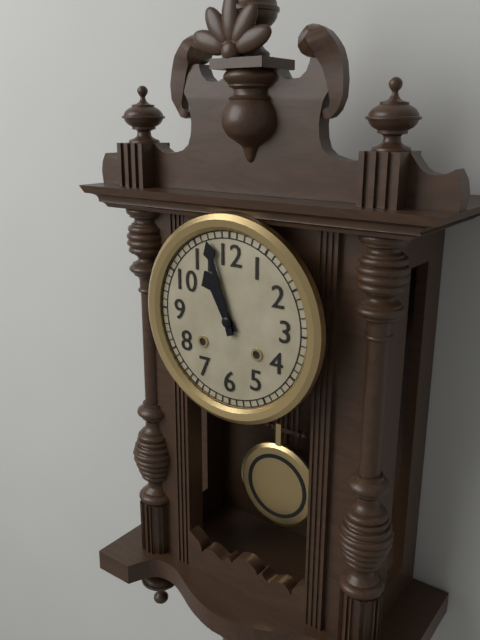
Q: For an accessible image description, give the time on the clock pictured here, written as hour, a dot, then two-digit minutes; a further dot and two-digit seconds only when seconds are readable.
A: 10.57
